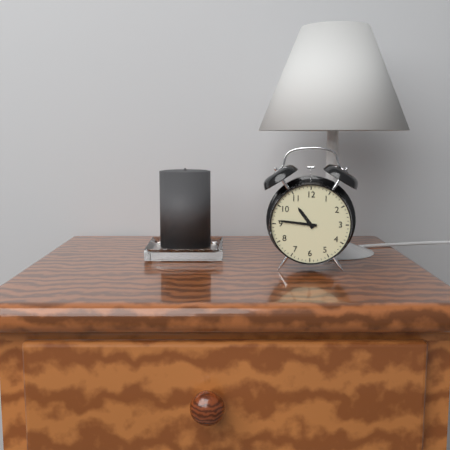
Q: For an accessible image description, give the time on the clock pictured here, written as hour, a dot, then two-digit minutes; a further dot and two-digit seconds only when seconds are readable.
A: 10.46
